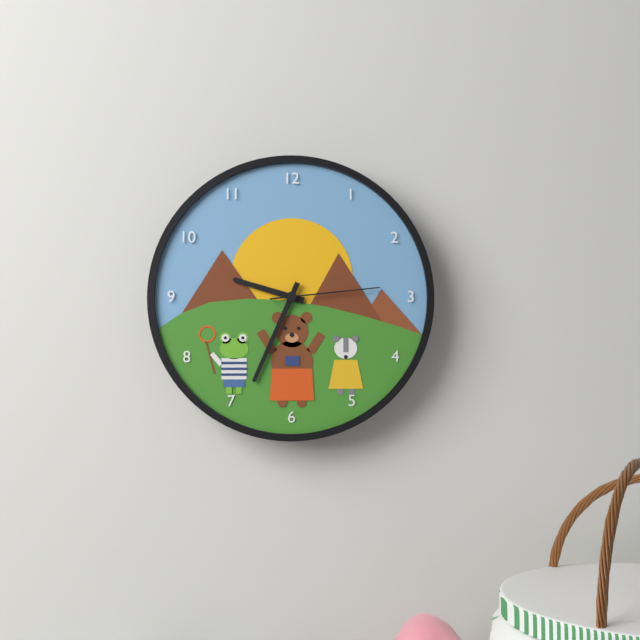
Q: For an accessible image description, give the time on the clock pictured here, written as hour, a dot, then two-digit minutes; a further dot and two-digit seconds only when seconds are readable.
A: 9.34.14
